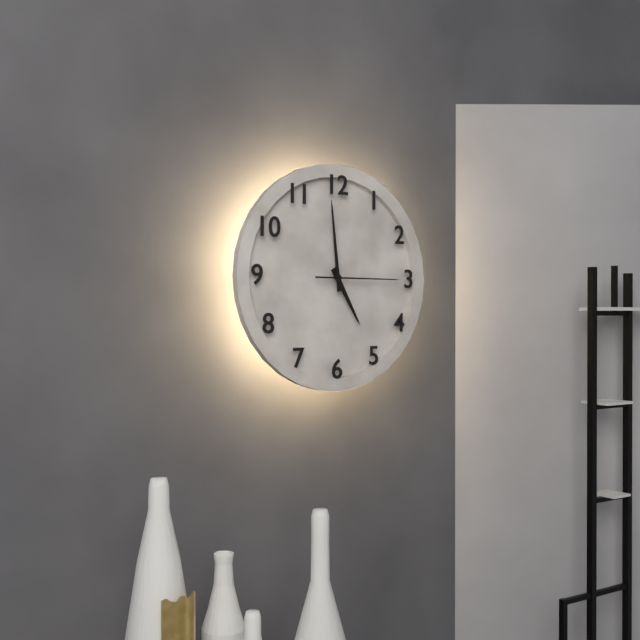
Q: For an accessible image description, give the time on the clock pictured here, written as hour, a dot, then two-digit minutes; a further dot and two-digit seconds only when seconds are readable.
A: 4.59.15
